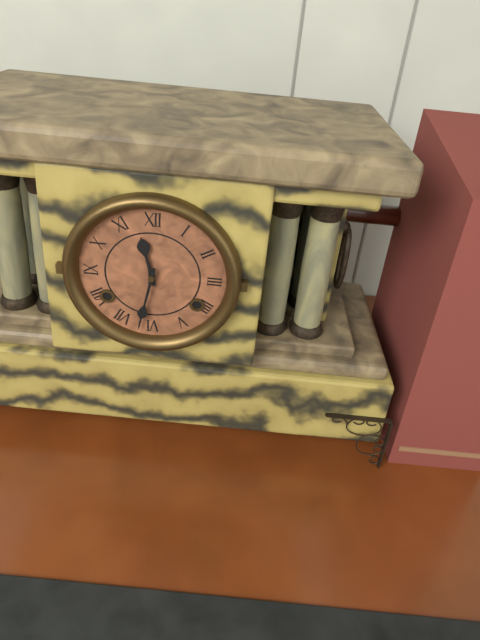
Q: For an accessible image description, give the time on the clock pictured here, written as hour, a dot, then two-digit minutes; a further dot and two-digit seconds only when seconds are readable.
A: 11.32
